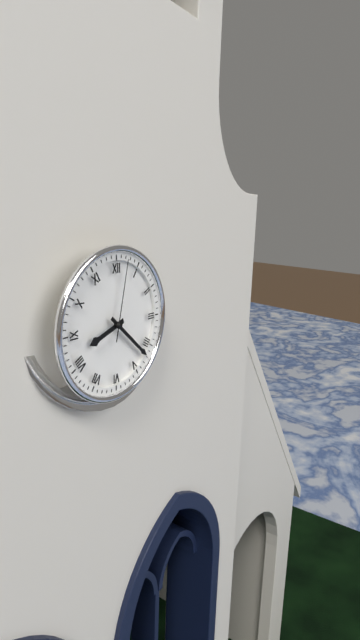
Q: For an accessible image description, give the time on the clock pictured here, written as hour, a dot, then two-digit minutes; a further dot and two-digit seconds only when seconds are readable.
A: 8.22.02
